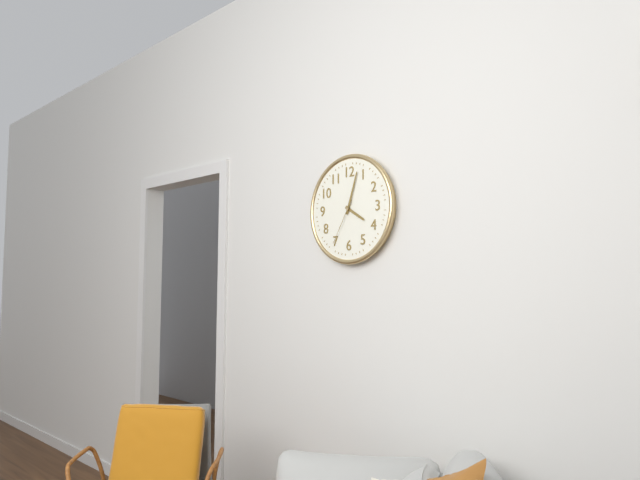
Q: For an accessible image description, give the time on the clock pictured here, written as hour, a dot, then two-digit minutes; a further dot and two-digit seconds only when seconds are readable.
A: 4.03
